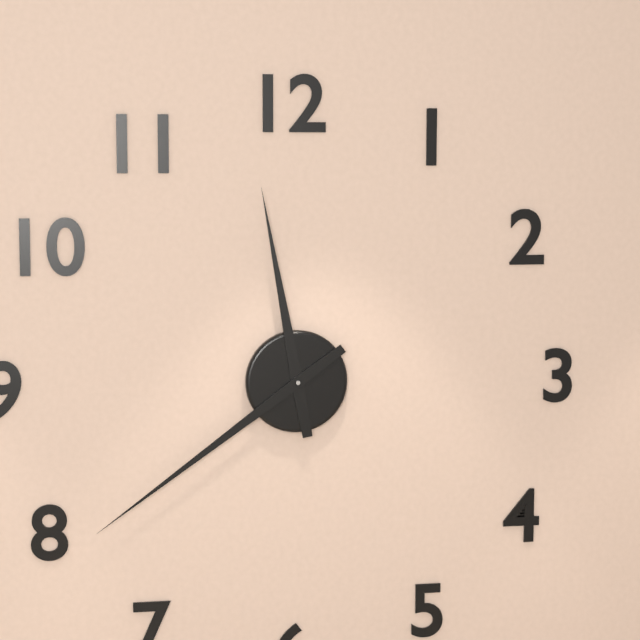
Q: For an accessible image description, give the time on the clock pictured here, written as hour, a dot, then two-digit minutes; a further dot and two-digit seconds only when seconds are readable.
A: 11.39
